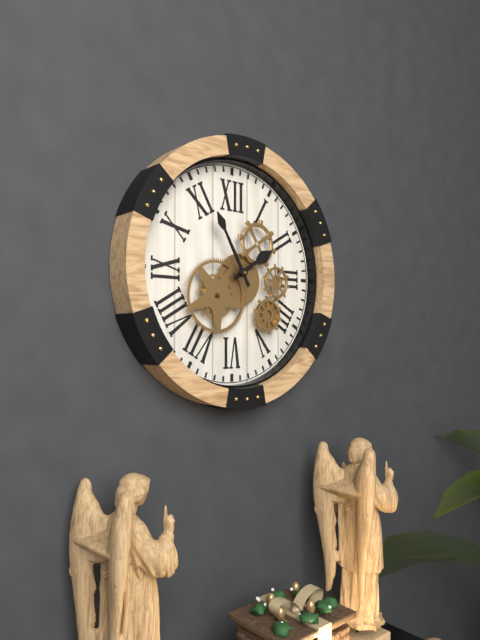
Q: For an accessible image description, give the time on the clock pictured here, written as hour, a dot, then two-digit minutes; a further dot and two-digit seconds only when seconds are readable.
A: 1.55
